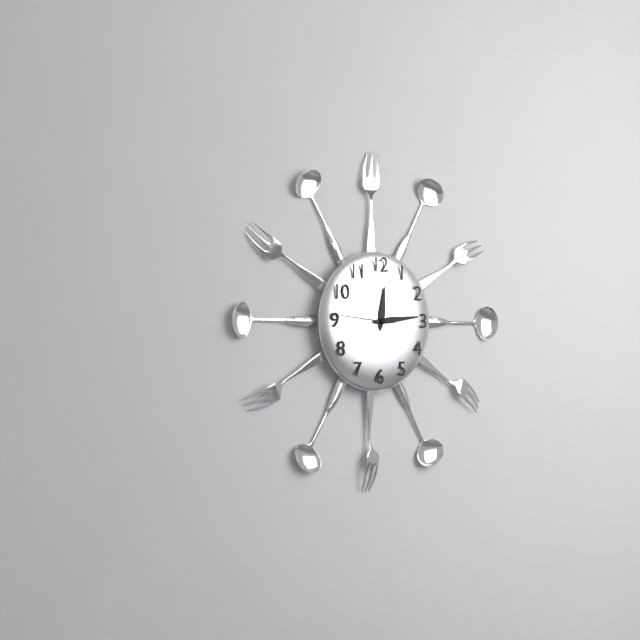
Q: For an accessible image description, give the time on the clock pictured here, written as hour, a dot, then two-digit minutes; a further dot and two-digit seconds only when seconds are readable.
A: 12.14.46
